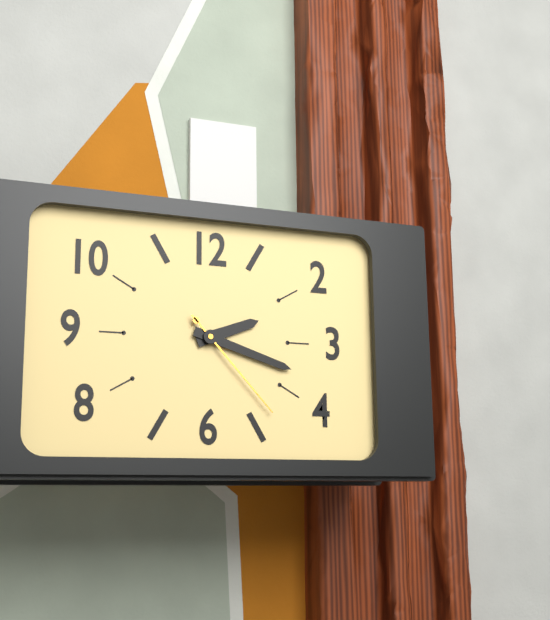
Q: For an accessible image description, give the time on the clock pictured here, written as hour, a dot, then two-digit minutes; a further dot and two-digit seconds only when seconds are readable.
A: 2.18.23
